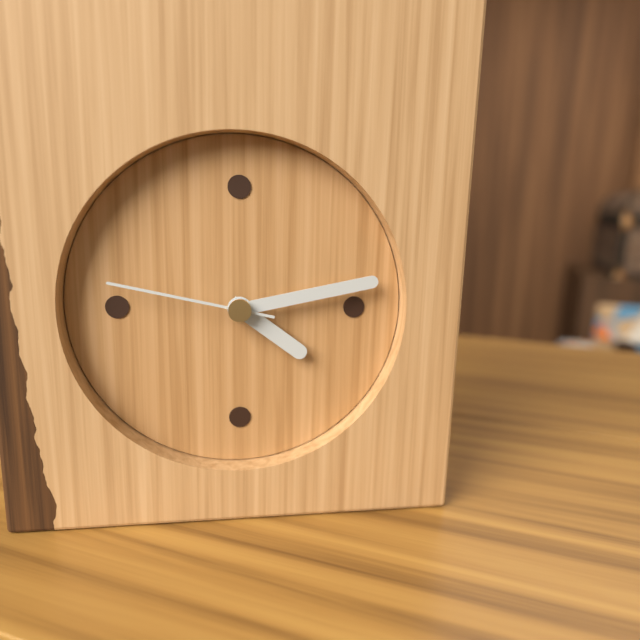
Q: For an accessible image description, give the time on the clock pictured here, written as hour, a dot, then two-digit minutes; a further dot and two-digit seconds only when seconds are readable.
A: 4.13.47
